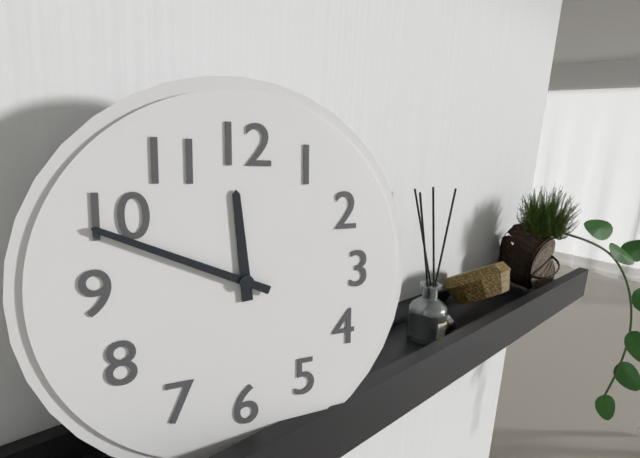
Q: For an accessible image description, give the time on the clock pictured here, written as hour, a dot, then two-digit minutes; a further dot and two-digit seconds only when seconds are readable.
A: 11.49
